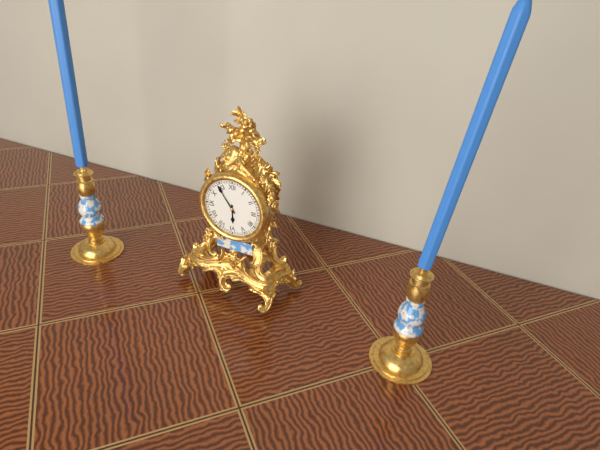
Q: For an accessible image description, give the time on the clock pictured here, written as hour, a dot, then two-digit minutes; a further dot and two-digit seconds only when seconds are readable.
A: 5.54
